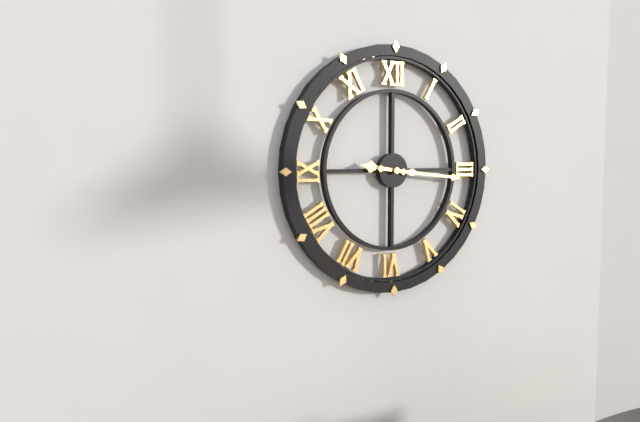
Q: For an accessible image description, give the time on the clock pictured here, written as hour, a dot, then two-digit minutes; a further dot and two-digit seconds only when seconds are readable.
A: 9.16
